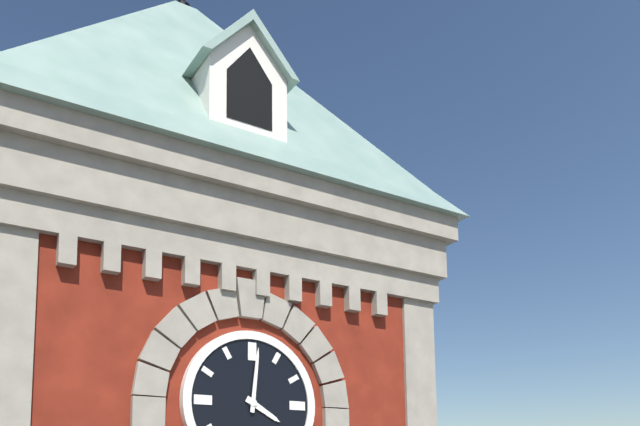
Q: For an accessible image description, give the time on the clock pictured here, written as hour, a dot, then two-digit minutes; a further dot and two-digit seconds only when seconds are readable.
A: 4.01
